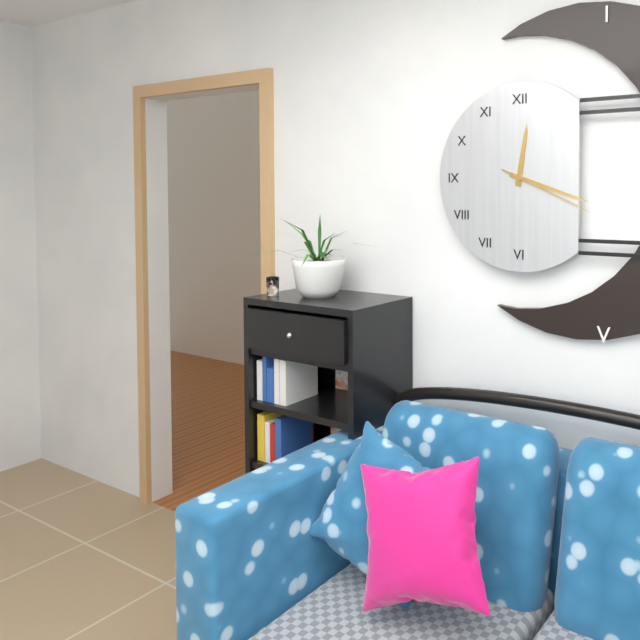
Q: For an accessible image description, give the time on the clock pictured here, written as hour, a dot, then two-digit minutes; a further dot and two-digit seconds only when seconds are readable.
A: 12.18.19
